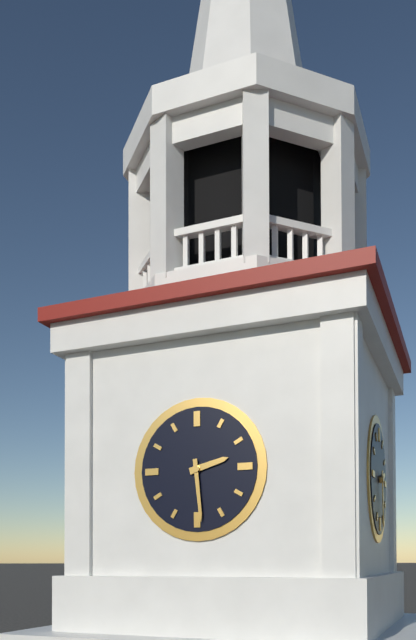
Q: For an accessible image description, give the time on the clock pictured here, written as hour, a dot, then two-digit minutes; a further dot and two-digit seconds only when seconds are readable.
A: 2.29
